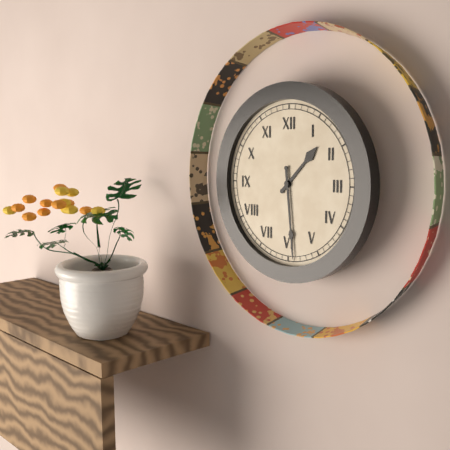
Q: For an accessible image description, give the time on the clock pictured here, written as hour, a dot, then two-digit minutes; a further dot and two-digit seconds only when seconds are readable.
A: 1.29
